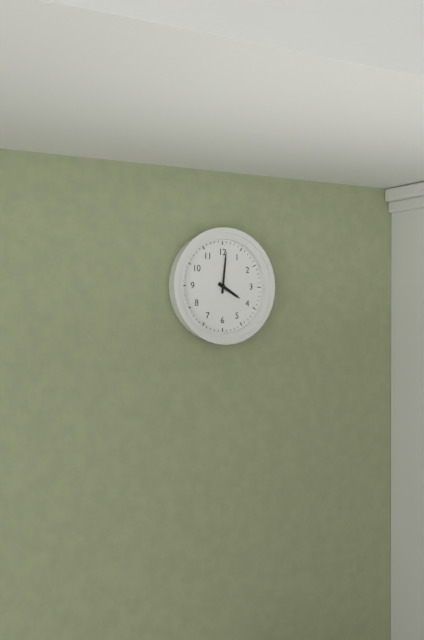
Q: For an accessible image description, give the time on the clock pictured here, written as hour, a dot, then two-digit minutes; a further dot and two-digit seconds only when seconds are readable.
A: 4.01
